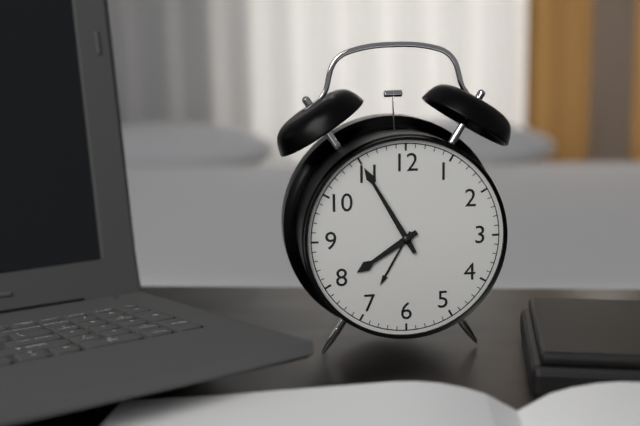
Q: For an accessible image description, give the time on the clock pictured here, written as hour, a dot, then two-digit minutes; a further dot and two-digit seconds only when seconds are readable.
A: 7.55
